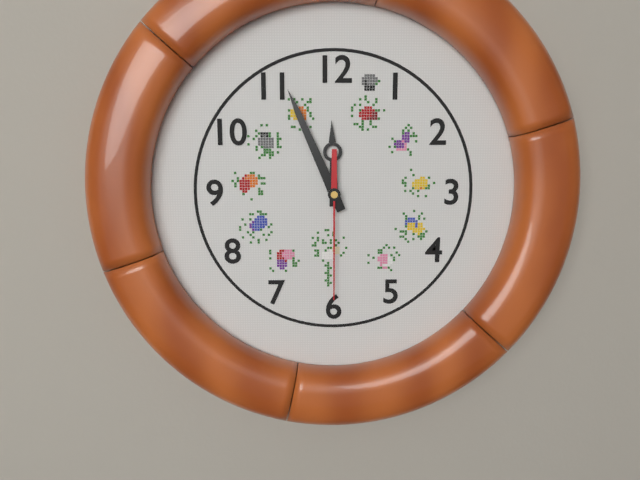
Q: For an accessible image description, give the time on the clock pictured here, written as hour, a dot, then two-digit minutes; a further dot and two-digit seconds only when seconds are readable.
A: 11.56.30
